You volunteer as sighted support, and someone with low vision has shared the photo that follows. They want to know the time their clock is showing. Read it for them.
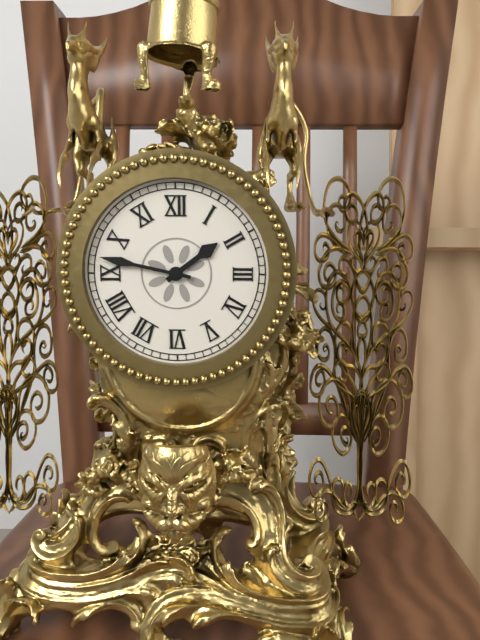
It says 1:47
